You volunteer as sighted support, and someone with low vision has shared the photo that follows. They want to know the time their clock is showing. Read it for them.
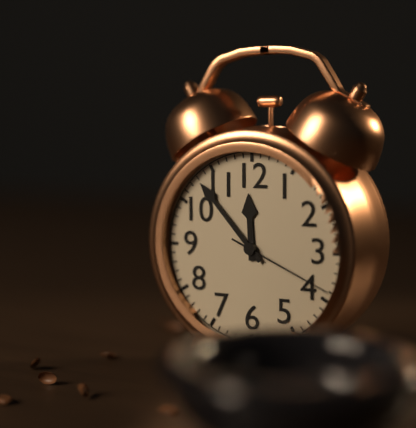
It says 11:53:19
